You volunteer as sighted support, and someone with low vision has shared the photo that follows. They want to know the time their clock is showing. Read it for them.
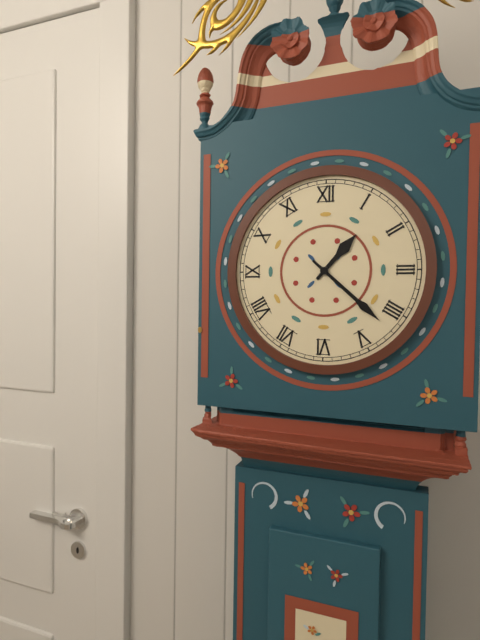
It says 1:22
